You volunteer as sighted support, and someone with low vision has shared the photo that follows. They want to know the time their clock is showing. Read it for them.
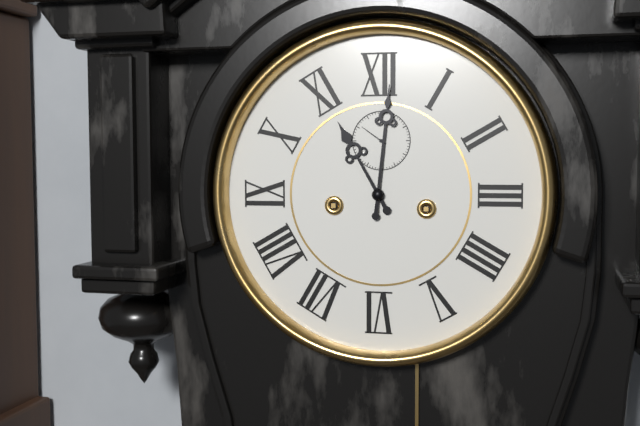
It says 11:01
